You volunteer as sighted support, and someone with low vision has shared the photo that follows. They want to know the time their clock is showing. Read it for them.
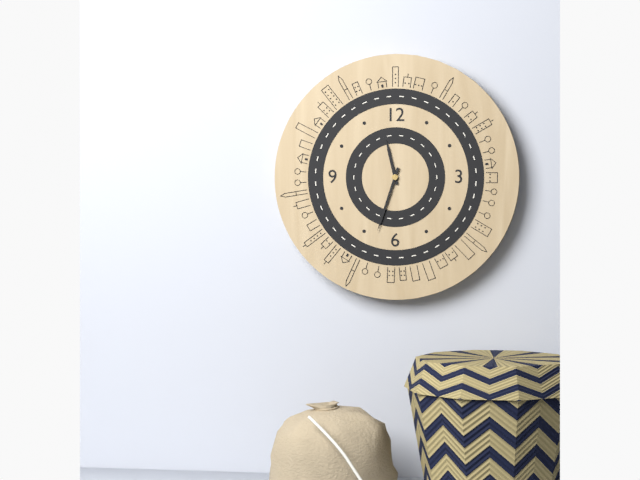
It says 11:33
